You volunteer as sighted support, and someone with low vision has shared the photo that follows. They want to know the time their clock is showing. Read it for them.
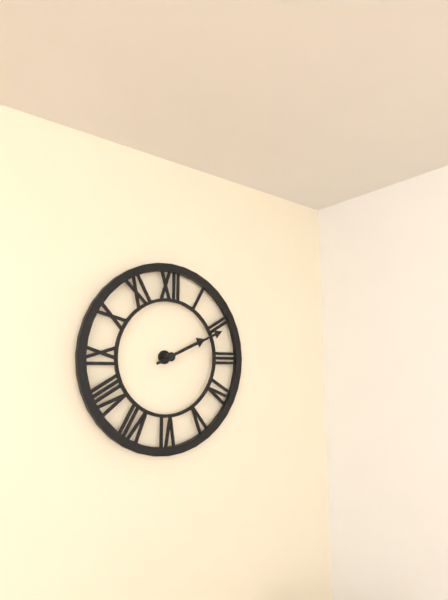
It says 2:11
